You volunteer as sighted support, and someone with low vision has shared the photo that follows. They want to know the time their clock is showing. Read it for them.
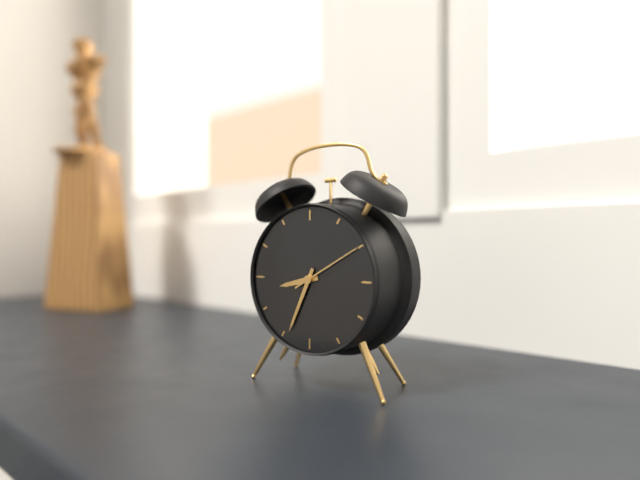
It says 8:34:10
